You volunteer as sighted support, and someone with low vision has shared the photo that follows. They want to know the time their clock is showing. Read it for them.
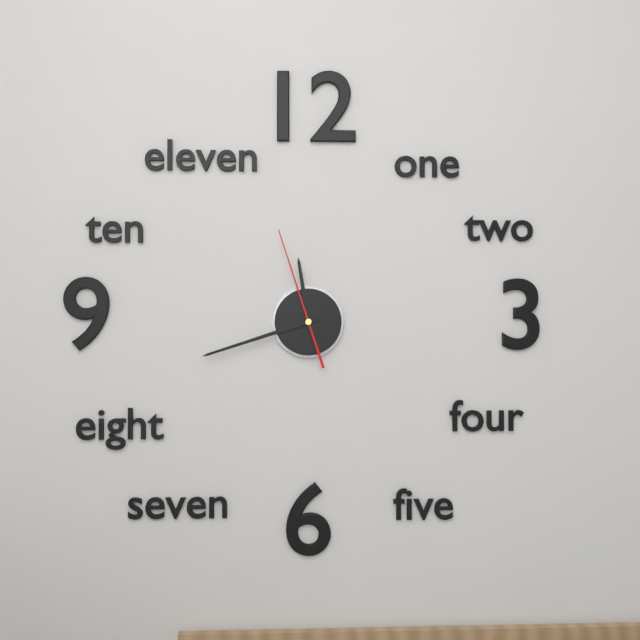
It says 11:42:57
